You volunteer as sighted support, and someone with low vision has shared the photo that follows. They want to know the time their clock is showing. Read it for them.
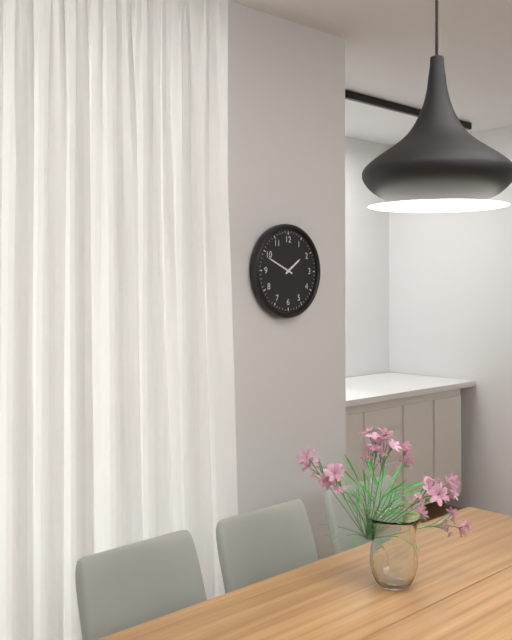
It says 1:49
